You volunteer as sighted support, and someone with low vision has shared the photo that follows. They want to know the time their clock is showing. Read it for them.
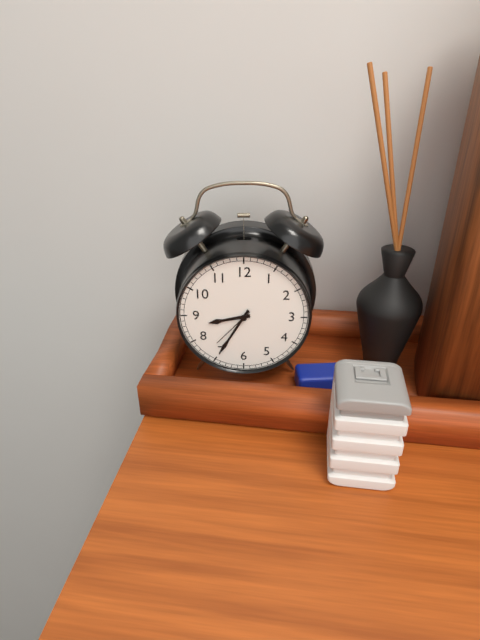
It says 8:35
